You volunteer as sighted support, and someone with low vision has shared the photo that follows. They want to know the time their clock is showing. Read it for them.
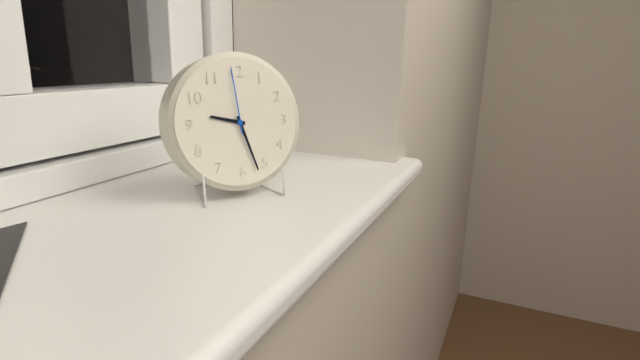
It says 9:27:59
